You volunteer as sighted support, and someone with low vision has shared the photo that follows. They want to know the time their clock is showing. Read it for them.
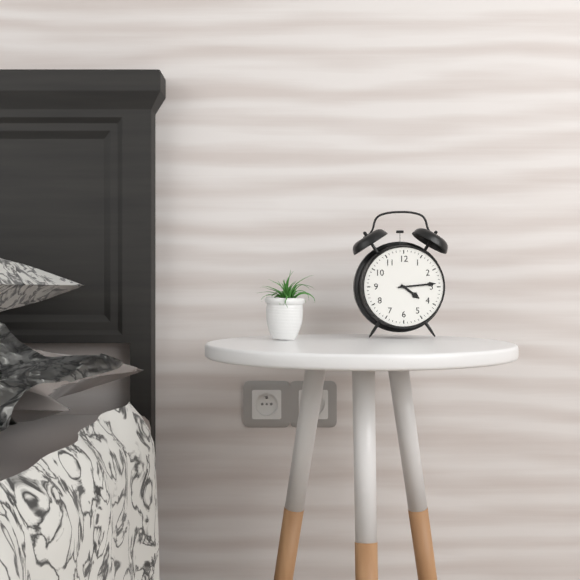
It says 4:14
